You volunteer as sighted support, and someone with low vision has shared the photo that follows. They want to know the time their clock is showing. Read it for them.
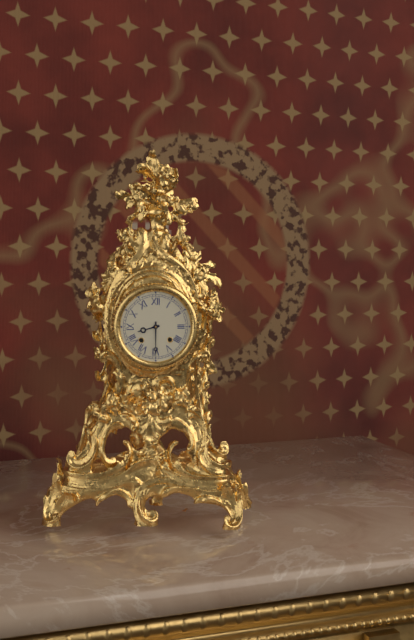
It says 8:30
